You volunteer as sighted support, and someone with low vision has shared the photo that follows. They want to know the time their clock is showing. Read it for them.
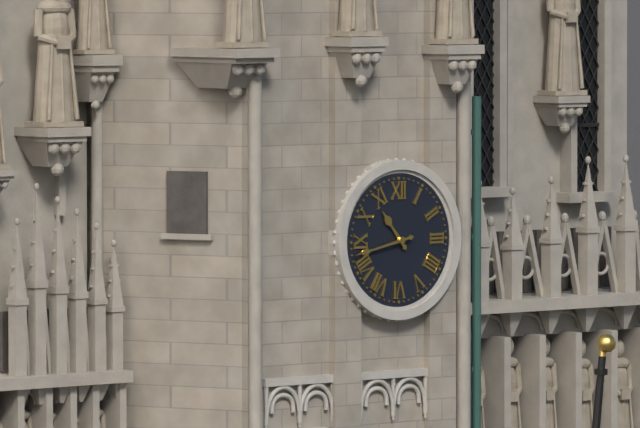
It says 10:43
